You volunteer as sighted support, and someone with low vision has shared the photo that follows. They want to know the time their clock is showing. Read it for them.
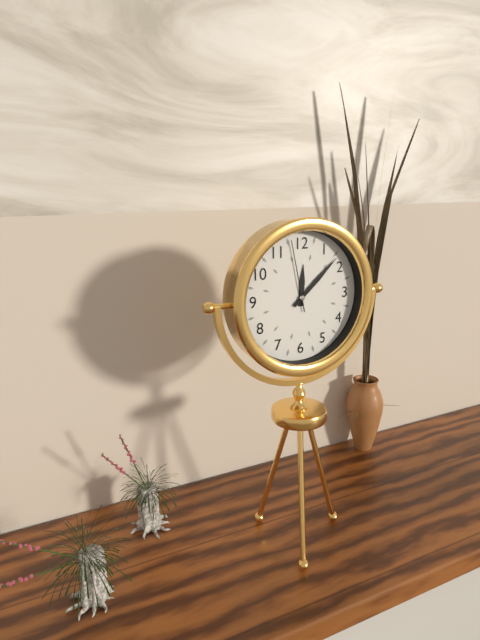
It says 12:08:58
